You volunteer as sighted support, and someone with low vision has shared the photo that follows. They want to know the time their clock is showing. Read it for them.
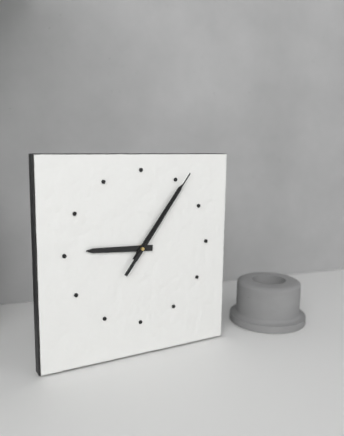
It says 9:06:06
